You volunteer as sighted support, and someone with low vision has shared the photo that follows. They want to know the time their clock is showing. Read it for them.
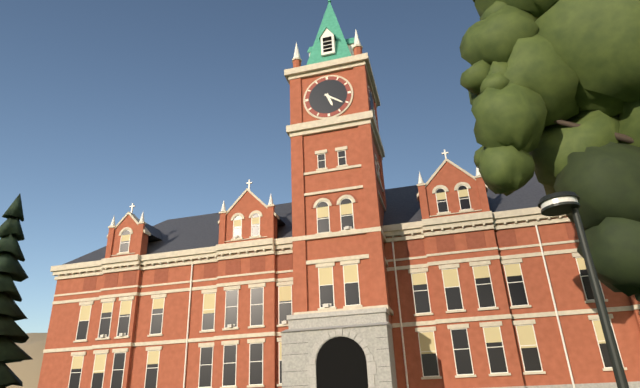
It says 5:21
